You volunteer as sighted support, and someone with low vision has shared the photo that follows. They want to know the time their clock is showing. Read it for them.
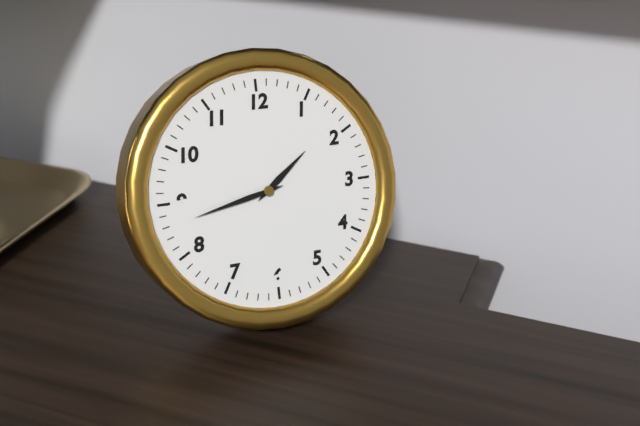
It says 1:43
